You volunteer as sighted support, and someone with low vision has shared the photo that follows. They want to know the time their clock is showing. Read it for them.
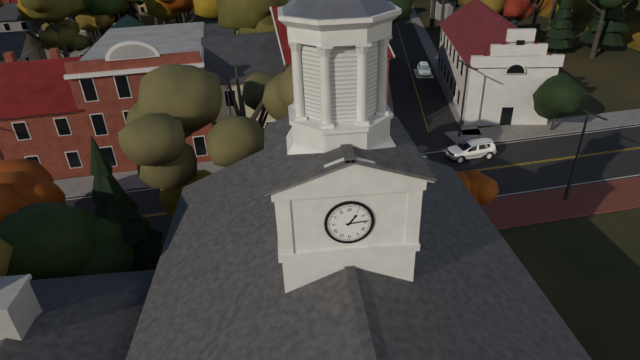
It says 1:14
